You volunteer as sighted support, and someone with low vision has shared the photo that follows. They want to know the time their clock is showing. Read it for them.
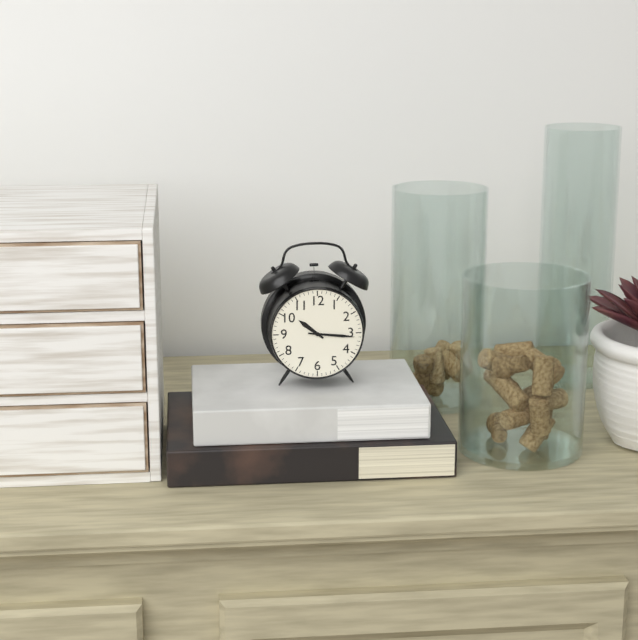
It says 10:16
